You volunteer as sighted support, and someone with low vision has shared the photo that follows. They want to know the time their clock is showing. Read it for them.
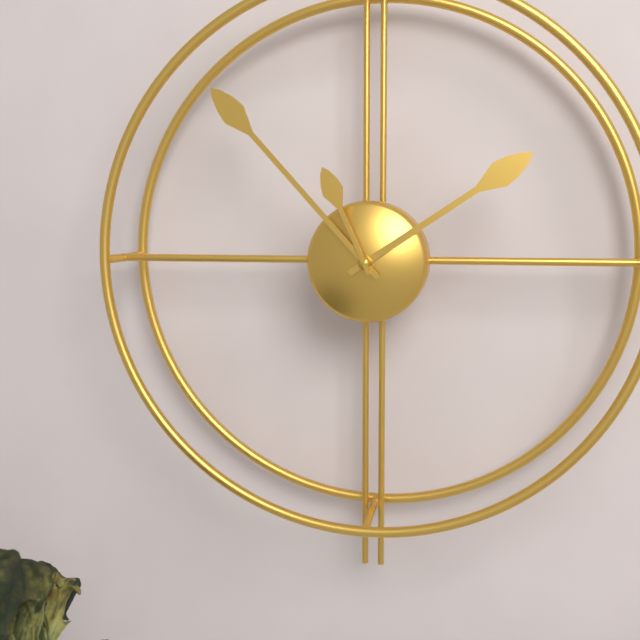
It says 1:53:56
